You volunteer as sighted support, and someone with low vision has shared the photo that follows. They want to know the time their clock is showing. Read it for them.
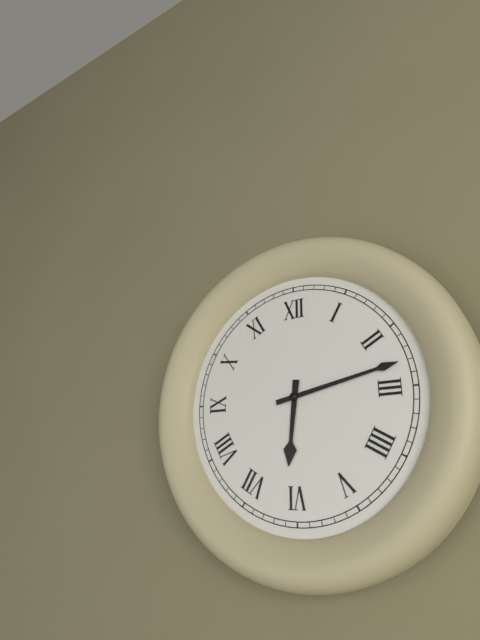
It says 6:13
